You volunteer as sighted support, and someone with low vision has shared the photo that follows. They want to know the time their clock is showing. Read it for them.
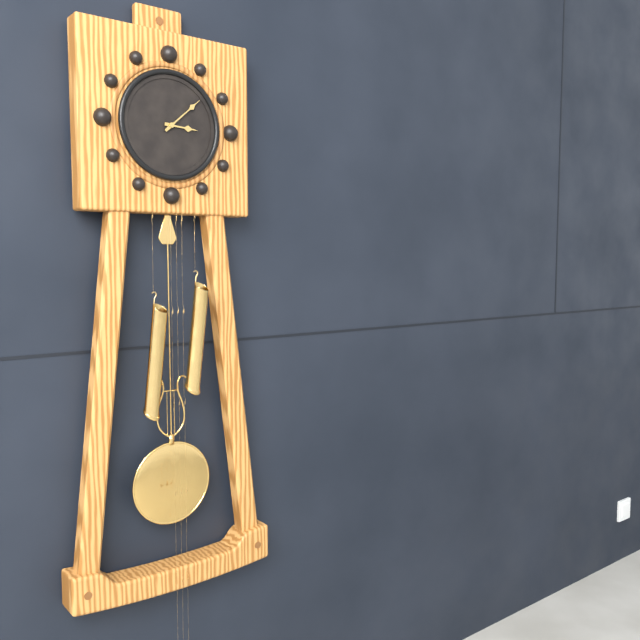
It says 3:08
